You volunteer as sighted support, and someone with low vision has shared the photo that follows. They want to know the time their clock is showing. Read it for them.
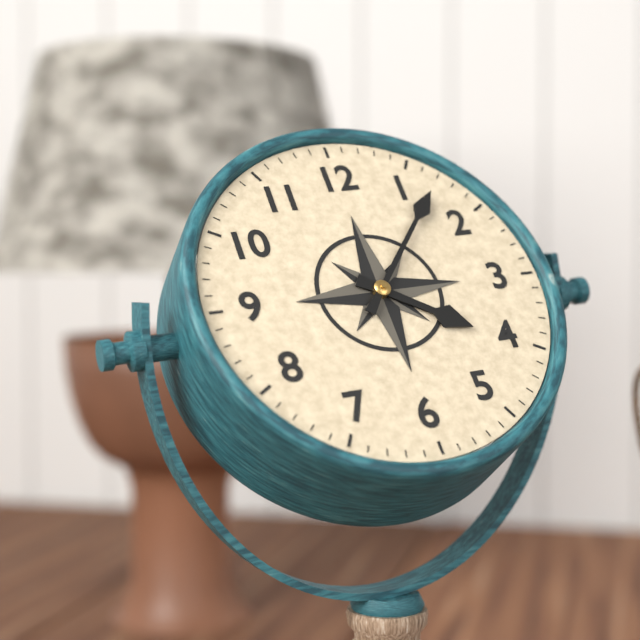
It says 4:07
